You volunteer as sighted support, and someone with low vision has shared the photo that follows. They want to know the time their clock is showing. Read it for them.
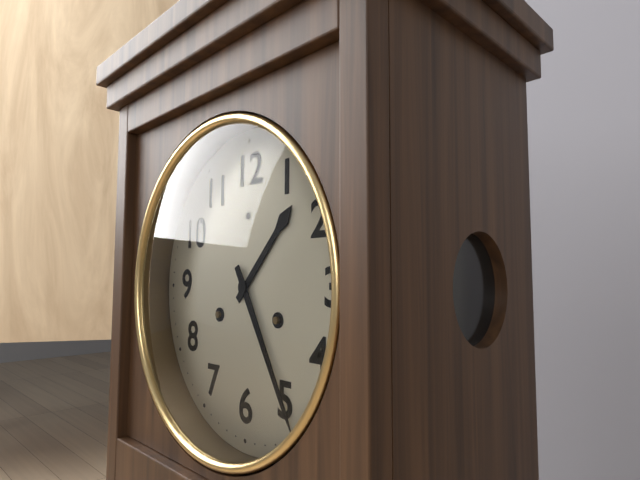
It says 1:25
